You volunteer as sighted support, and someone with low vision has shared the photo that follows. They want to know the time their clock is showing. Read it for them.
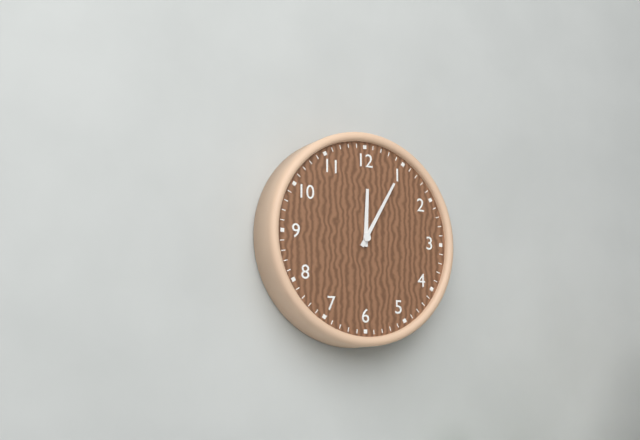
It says 12:05
